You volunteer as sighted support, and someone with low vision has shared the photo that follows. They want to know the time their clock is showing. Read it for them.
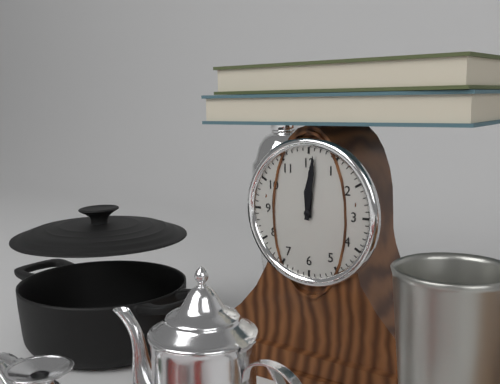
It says 12:01
